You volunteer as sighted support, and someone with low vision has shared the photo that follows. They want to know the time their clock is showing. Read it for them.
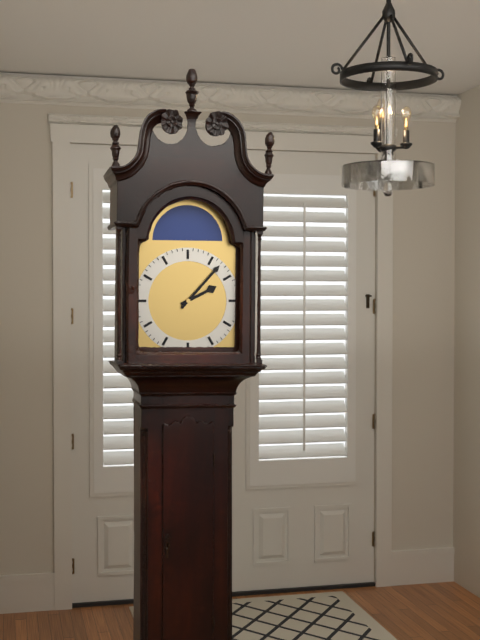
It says 2:07
